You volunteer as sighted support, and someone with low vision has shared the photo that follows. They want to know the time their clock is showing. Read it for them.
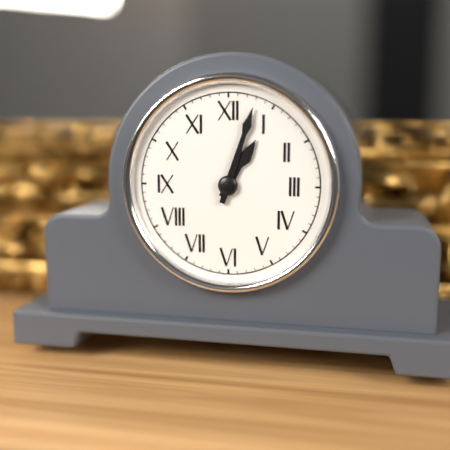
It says 1:03
